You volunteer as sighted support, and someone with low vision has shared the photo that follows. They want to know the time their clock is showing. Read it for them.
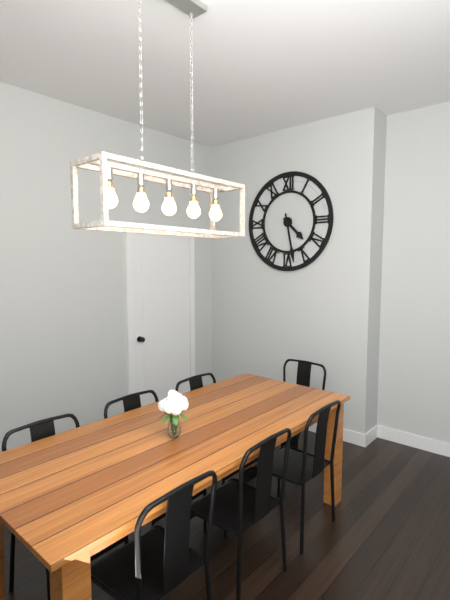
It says 4:28
